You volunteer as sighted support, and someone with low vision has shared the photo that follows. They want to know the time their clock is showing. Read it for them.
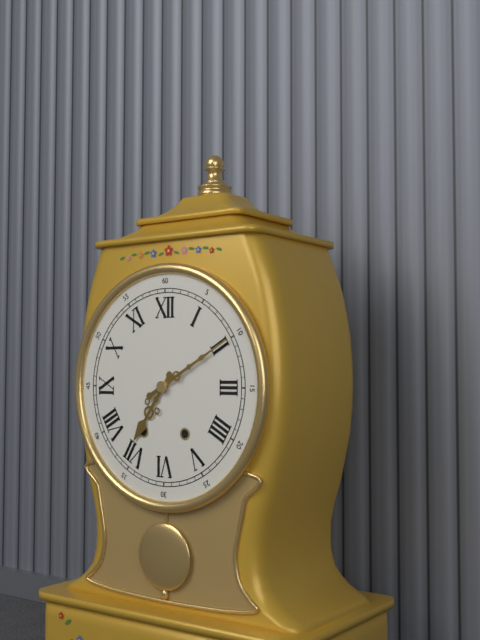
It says 7:10
